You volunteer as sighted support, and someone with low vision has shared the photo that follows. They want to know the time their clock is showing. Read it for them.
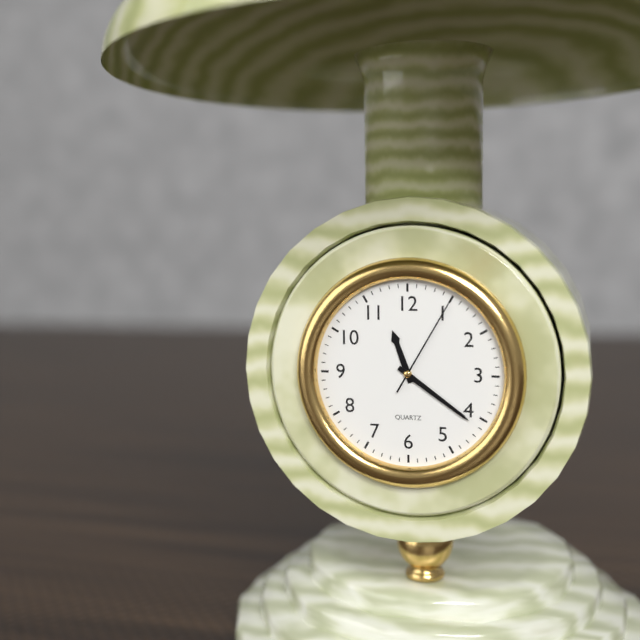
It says 11:21:05
